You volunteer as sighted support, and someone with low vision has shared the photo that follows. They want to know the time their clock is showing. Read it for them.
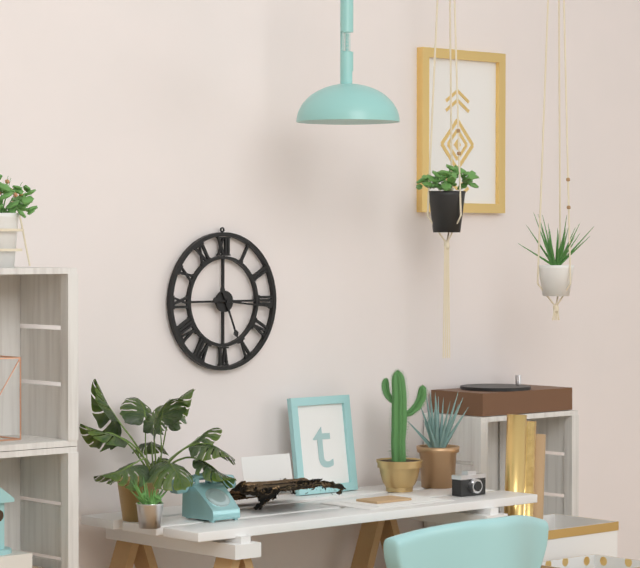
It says 5:16
